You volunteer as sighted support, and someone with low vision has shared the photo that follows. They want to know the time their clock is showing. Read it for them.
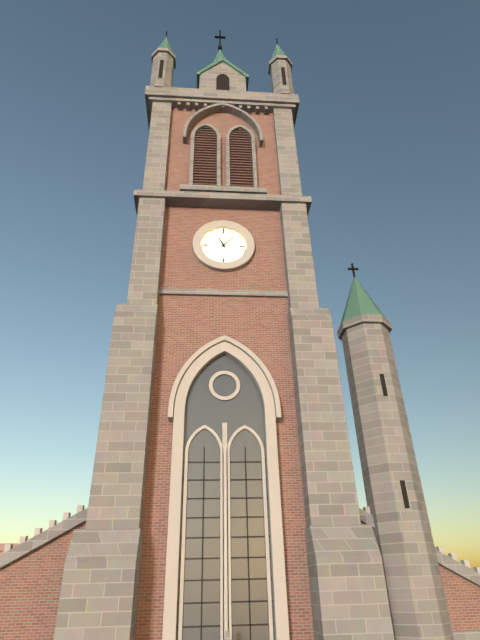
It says 11:07
